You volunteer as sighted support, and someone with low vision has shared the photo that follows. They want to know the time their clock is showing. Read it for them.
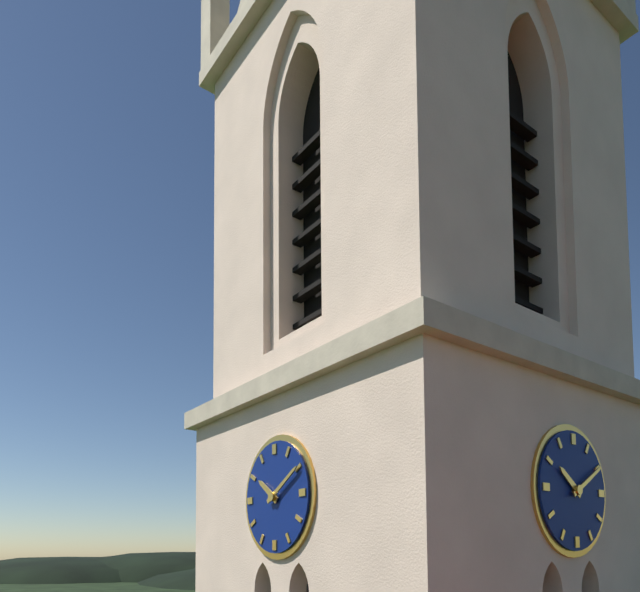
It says 10:10
